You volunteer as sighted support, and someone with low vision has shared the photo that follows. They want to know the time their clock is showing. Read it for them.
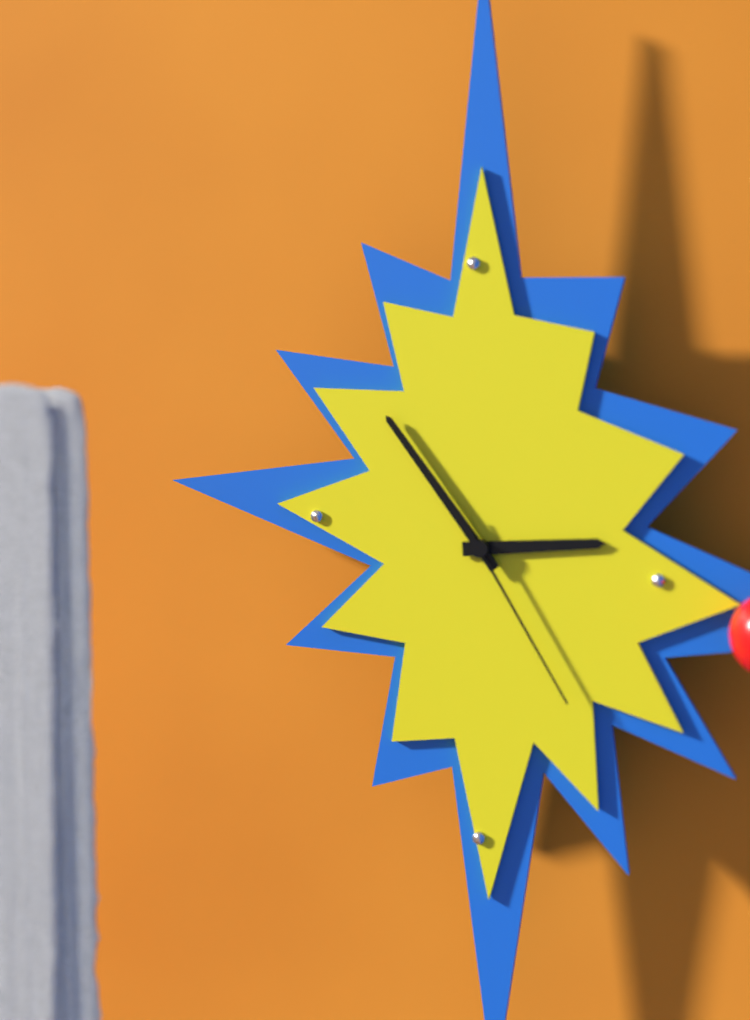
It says 2:54:25
